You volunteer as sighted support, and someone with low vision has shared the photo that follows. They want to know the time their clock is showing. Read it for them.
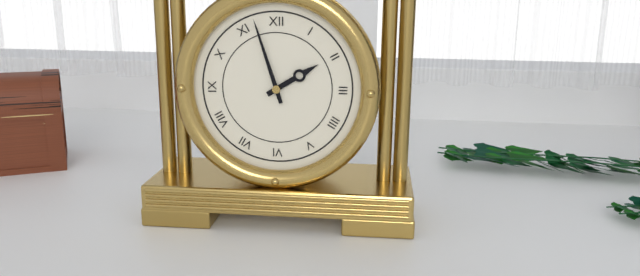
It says 1:57
